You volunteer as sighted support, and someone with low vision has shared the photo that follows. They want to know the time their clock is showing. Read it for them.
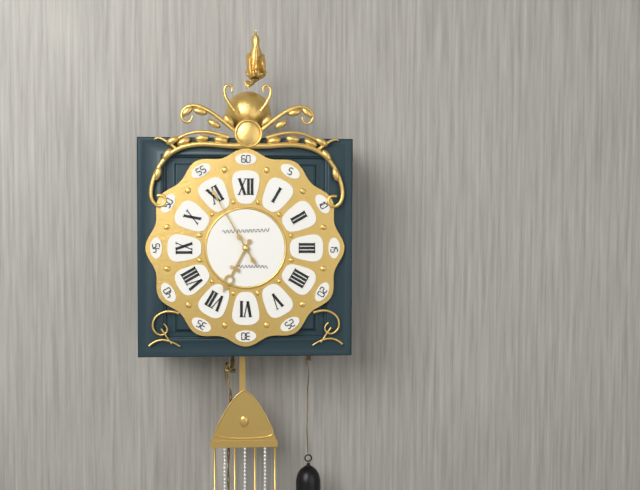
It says 6:55
